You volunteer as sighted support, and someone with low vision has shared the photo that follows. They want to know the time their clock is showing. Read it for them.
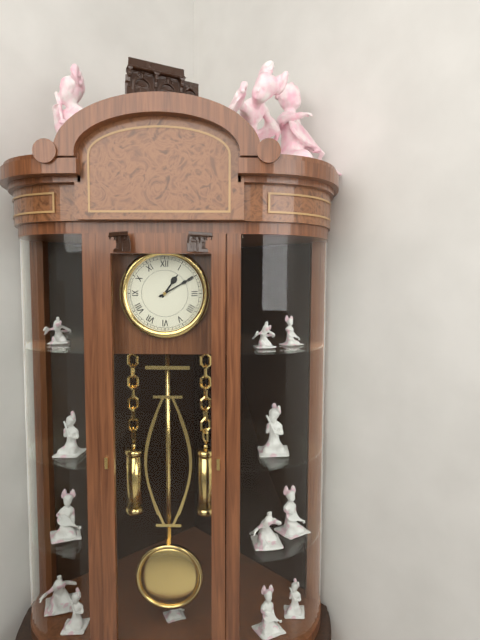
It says 1:10
